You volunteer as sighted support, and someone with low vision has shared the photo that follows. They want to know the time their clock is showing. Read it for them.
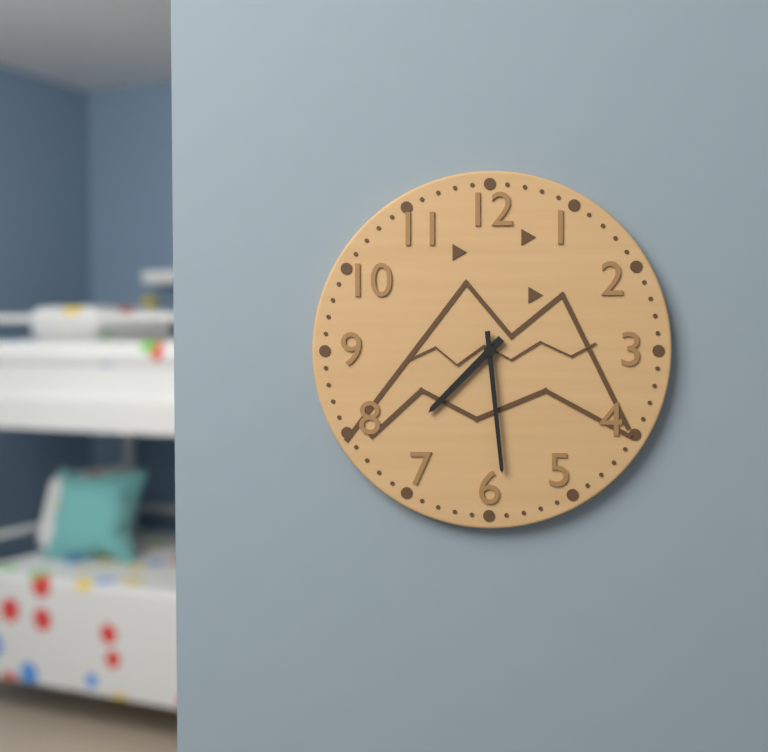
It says 7:29
